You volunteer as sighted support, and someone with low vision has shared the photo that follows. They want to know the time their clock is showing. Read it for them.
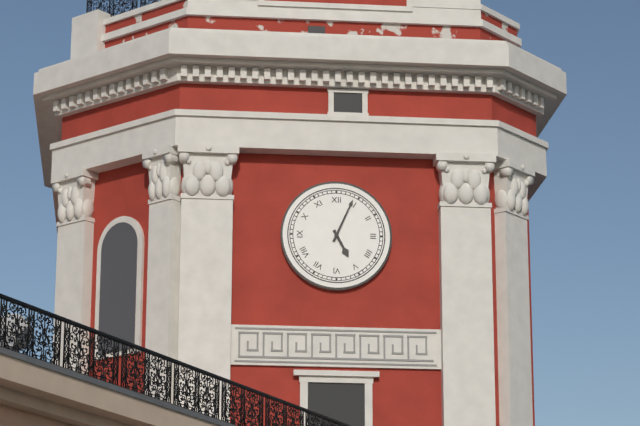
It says 5:04
